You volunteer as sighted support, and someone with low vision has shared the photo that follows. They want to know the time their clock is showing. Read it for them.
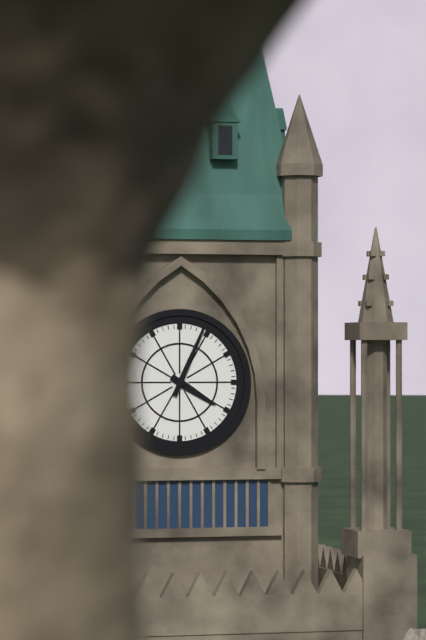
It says 4:04
